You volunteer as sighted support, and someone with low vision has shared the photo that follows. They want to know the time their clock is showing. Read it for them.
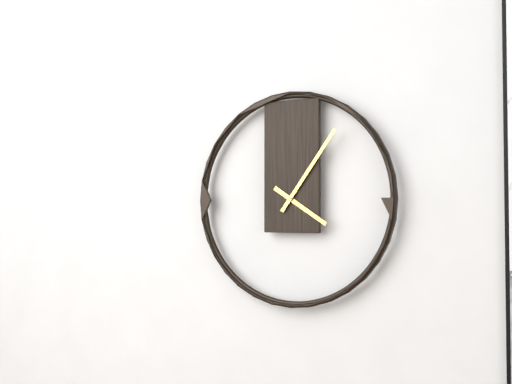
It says 4:06
